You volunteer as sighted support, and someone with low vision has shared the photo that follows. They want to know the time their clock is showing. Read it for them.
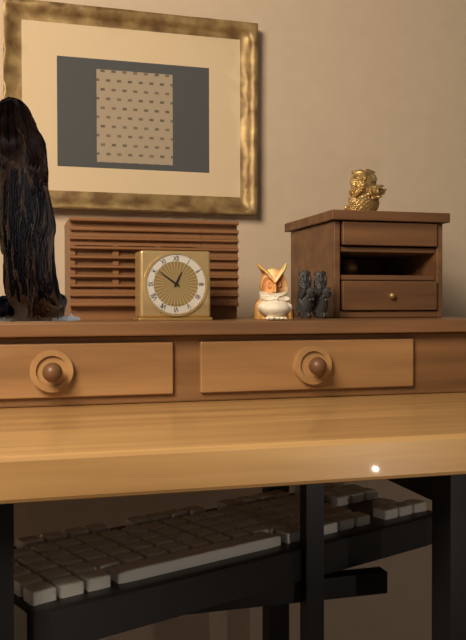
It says 12:51
